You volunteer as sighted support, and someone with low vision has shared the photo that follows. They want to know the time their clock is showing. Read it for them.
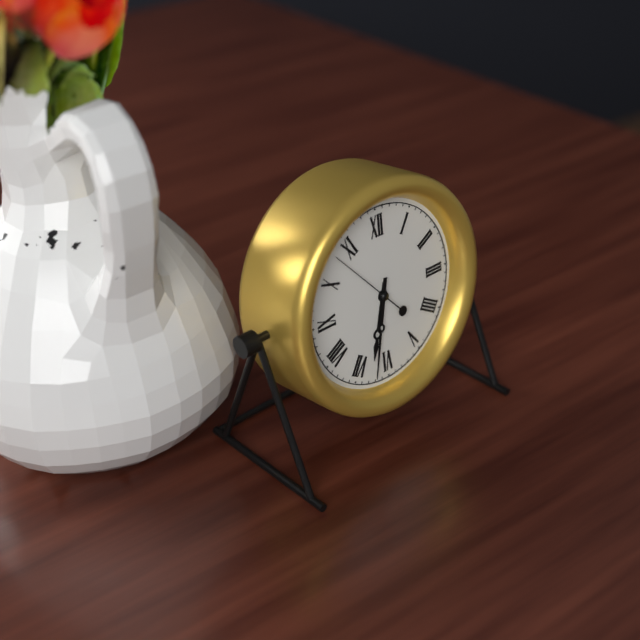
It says 6:32:53
